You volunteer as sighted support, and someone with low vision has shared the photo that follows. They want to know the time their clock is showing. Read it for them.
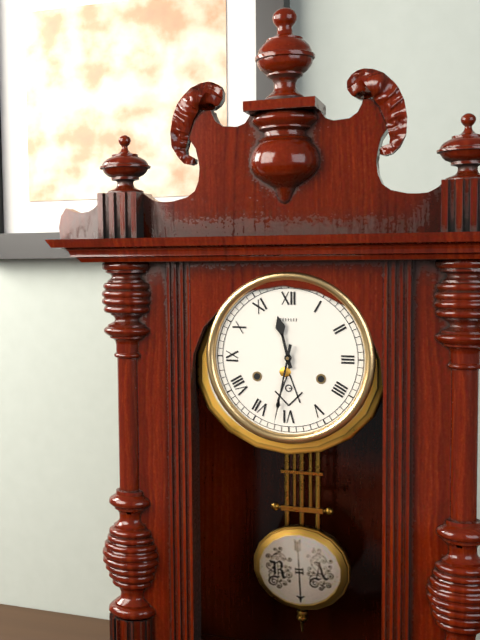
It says 11:32
